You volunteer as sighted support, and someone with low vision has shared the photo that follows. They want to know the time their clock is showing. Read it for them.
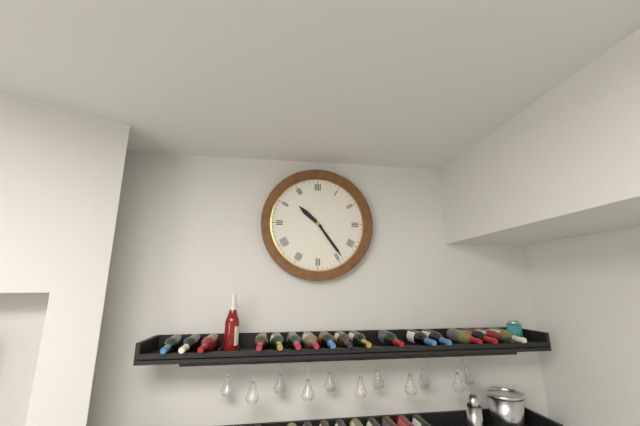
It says 10:24
